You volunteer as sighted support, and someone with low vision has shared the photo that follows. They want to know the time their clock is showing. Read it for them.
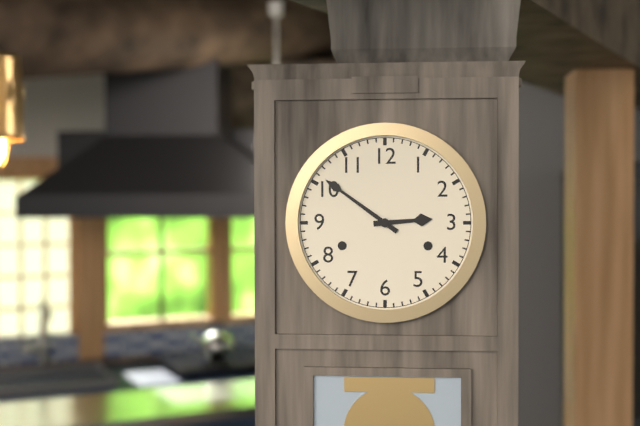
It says 2:51
